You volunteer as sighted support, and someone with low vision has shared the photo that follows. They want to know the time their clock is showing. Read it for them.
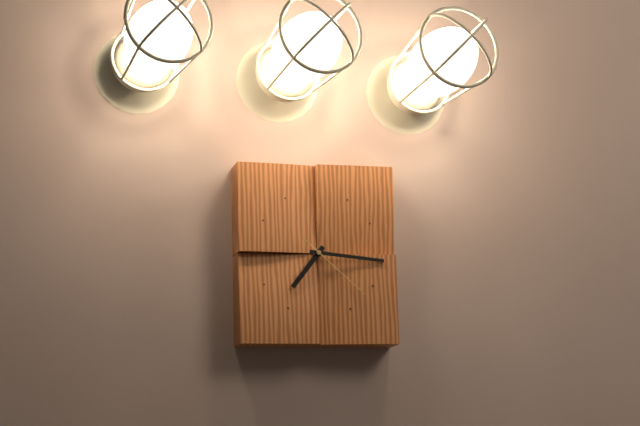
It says 7:16:22
